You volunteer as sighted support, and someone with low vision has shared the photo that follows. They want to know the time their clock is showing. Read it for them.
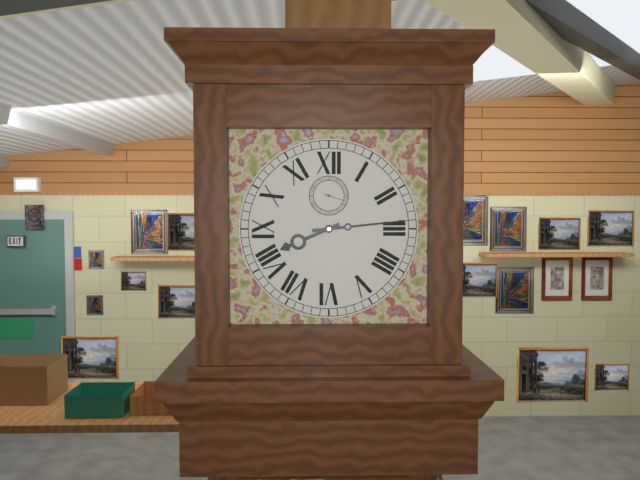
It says 8:14
